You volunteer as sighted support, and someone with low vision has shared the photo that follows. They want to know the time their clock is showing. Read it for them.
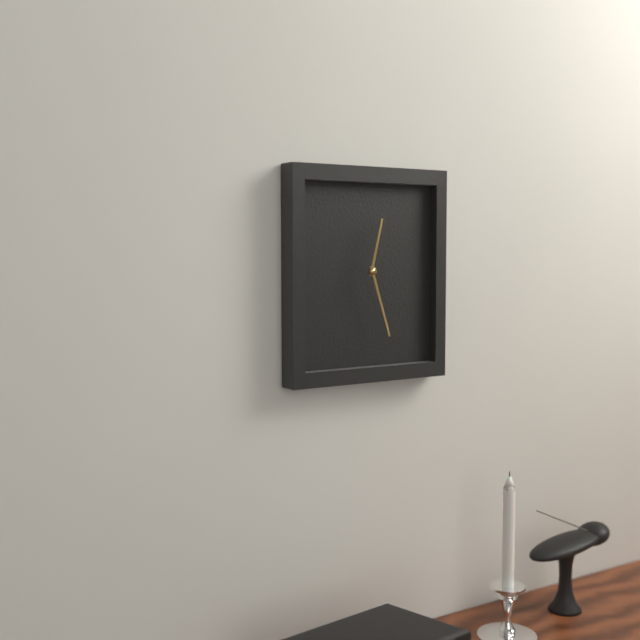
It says 12:27
